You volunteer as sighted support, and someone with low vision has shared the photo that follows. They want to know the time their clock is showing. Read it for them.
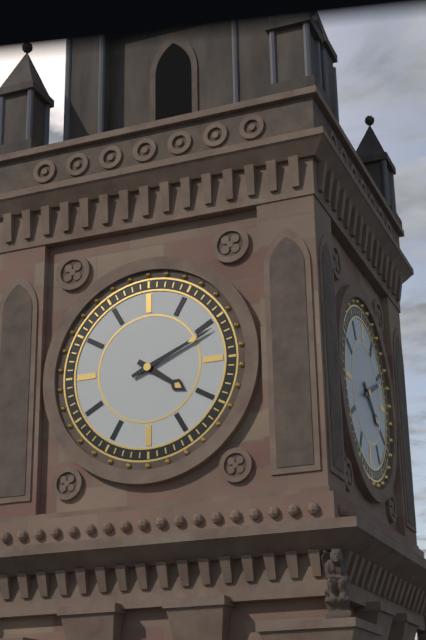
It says 4:11
